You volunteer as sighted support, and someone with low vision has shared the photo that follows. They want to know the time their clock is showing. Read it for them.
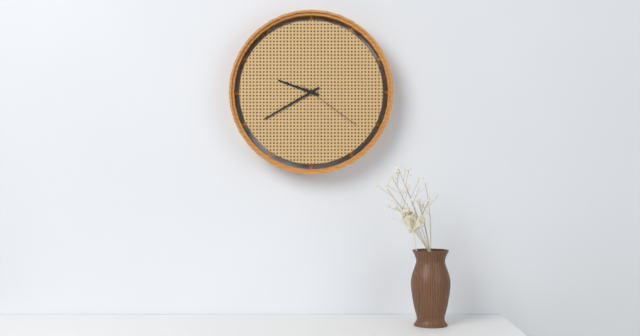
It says 9:40:21
